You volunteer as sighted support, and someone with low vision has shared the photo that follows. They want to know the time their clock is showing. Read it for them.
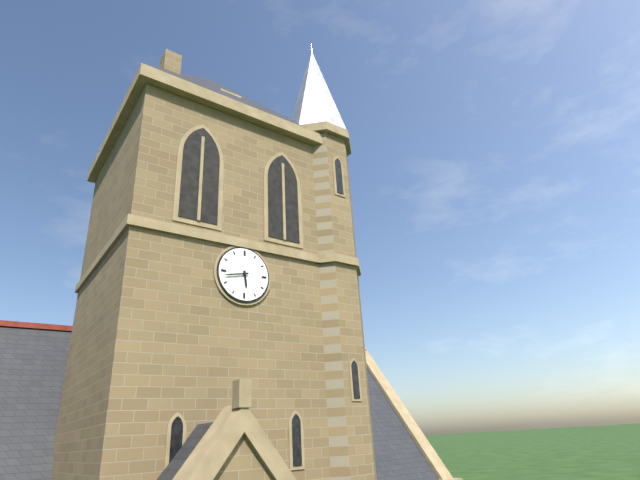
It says 5:43
